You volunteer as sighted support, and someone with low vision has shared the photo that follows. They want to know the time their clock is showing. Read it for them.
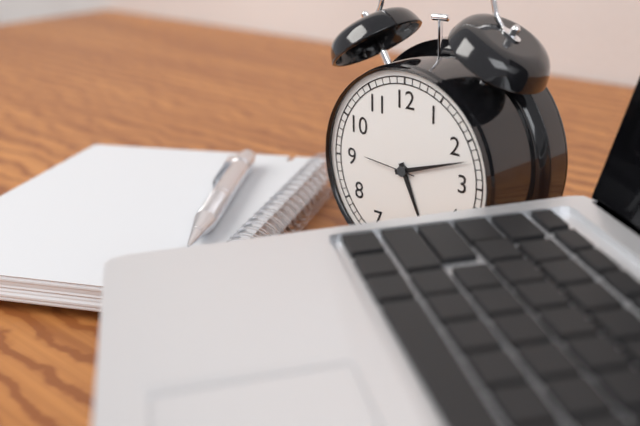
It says 5:12:46
